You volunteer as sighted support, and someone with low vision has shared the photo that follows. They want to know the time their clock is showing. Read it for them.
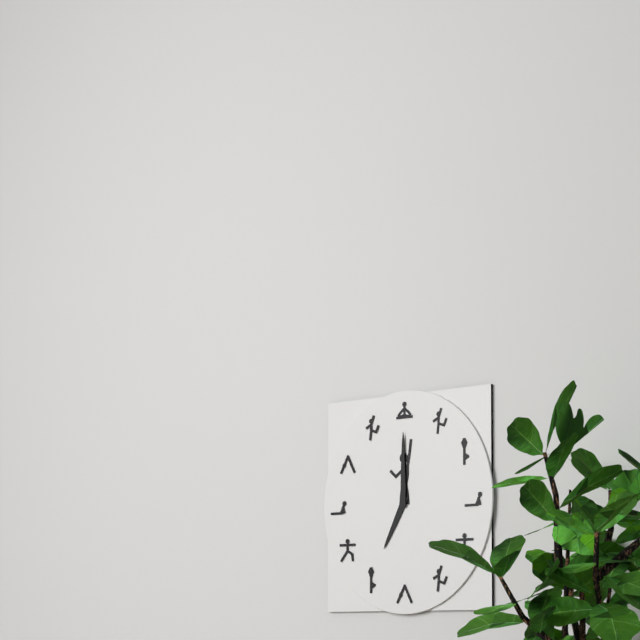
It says 7:00
